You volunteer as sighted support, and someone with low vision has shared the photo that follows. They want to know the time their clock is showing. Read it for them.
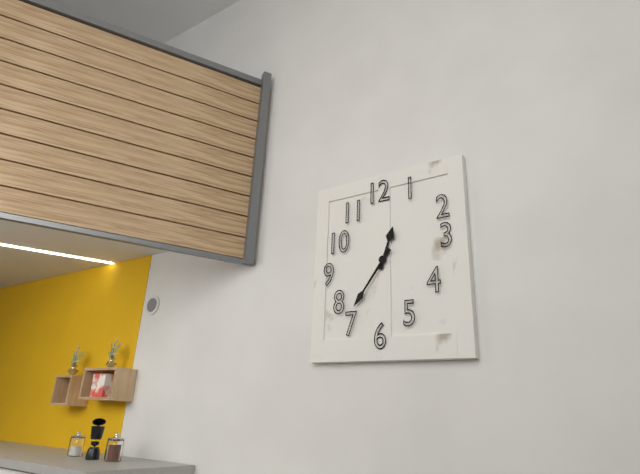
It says 12:36
